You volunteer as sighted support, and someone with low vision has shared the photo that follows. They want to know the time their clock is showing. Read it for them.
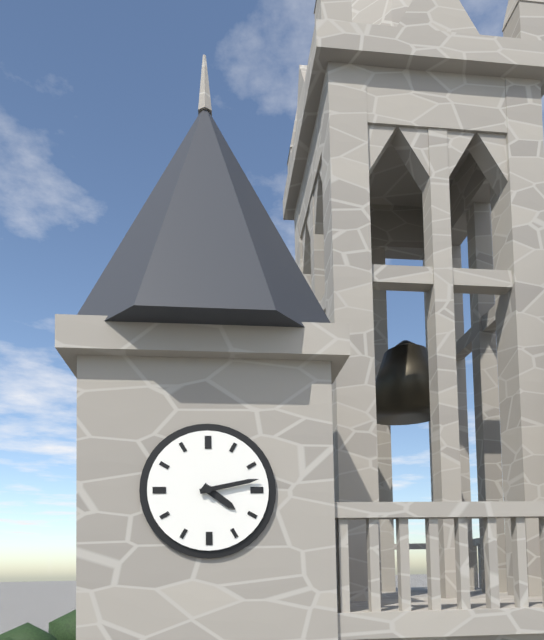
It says 4:13
